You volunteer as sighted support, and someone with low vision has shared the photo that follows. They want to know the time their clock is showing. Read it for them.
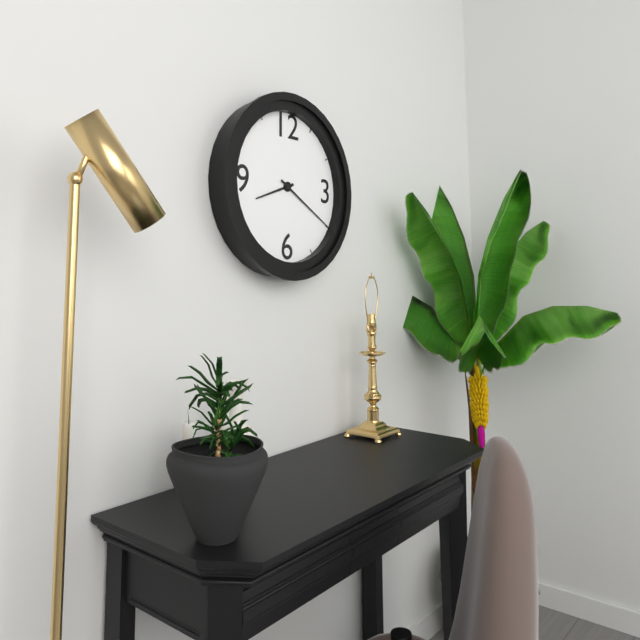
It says 8:20
